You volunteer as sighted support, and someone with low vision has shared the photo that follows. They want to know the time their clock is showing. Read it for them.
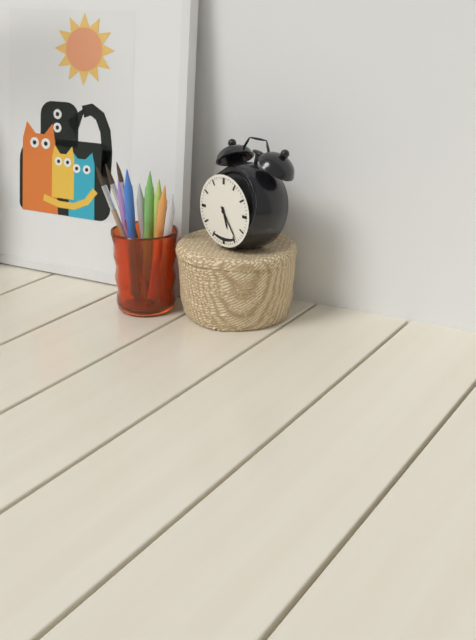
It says 5:24
